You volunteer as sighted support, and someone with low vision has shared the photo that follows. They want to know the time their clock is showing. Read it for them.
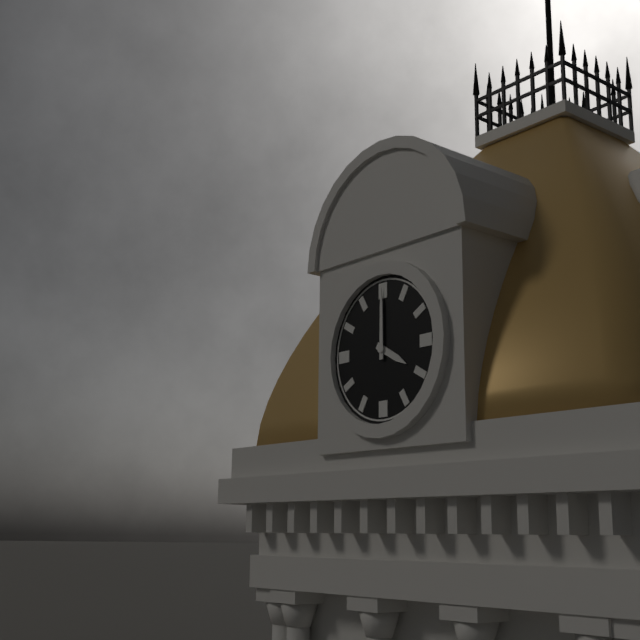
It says 4:00
